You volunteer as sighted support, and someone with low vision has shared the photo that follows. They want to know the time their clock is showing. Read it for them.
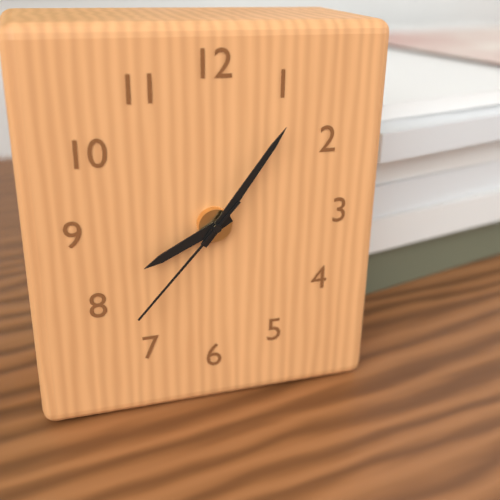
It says 8:06:37
